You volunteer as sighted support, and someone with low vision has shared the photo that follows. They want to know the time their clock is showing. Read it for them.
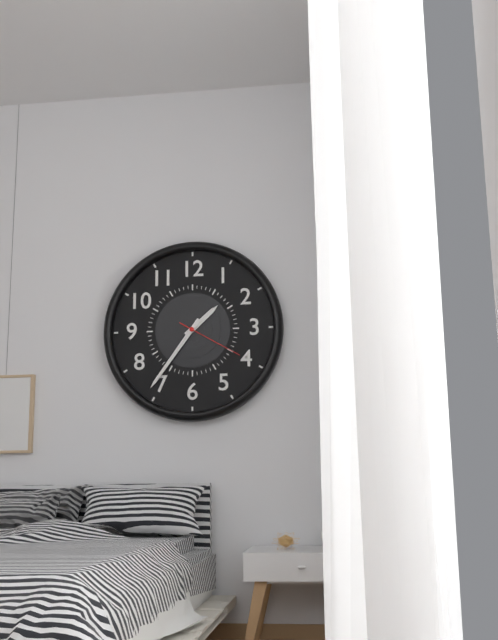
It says 1:36:20
